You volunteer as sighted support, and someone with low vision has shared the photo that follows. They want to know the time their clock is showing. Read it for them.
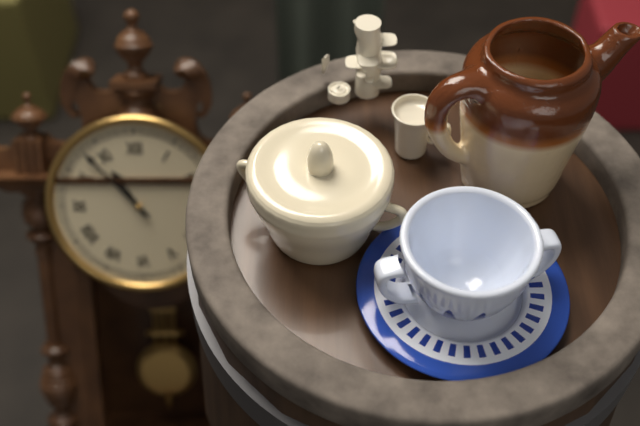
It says 10:53
